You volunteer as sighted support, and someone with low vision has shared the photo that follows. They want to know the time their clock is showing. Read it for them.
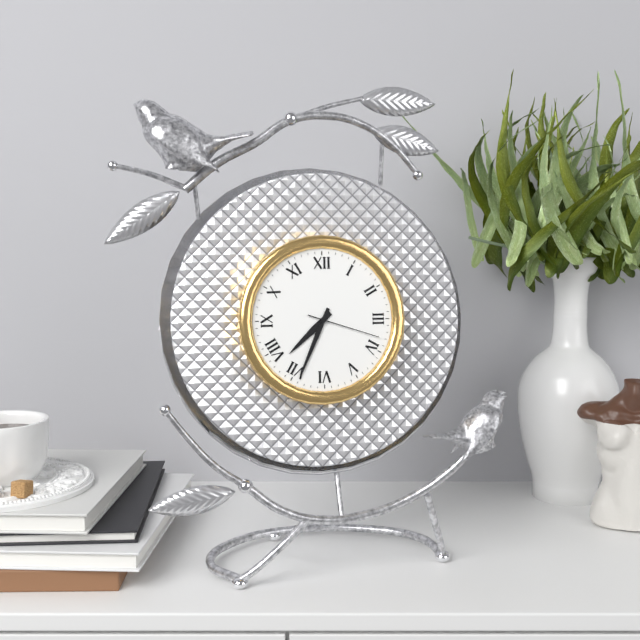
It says 7:34:18
